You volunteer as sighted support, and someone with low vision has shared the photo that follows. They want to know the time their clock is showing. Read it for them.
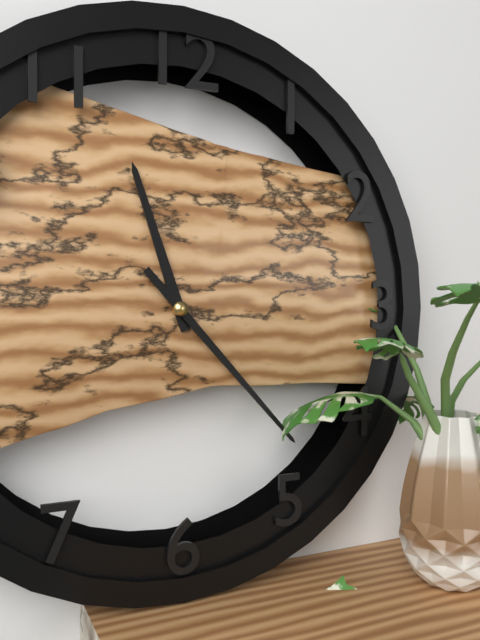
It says 11:23
